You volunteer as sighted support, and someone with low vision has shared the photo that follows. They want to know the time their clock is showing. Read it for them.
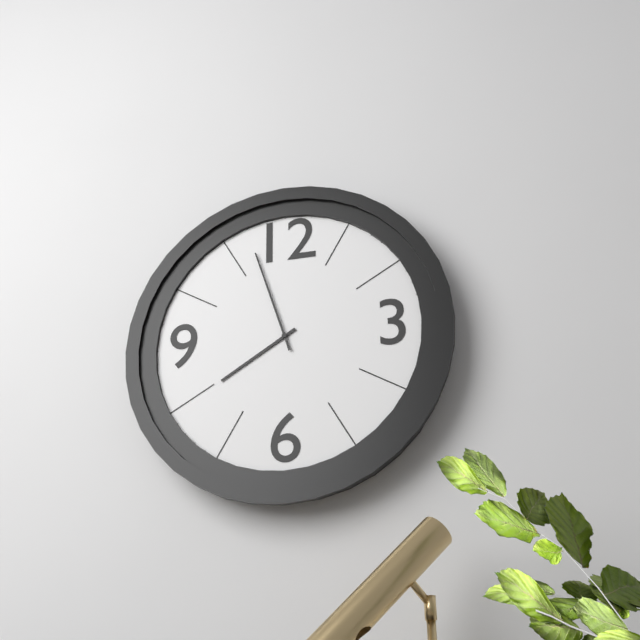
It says 7:57
